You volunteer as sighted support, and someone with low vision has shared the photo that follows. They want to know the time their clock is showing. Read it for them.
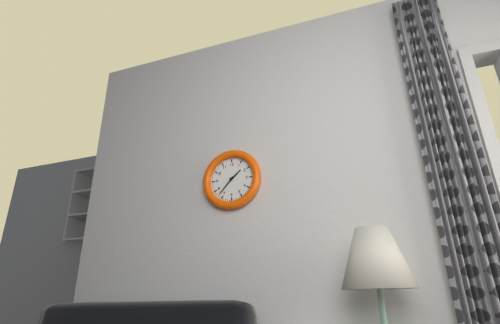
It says 1:37
